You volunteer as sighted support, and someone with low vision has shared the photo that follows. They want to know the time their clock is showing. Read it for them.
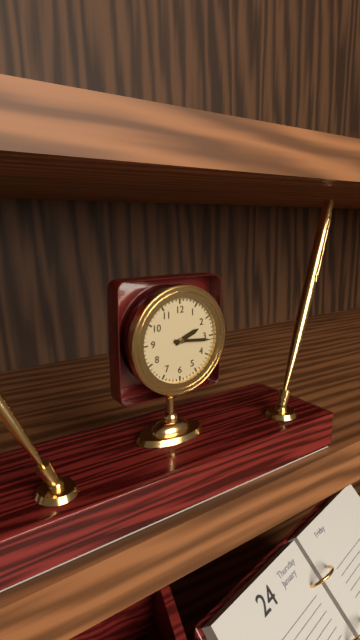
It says 2:16
